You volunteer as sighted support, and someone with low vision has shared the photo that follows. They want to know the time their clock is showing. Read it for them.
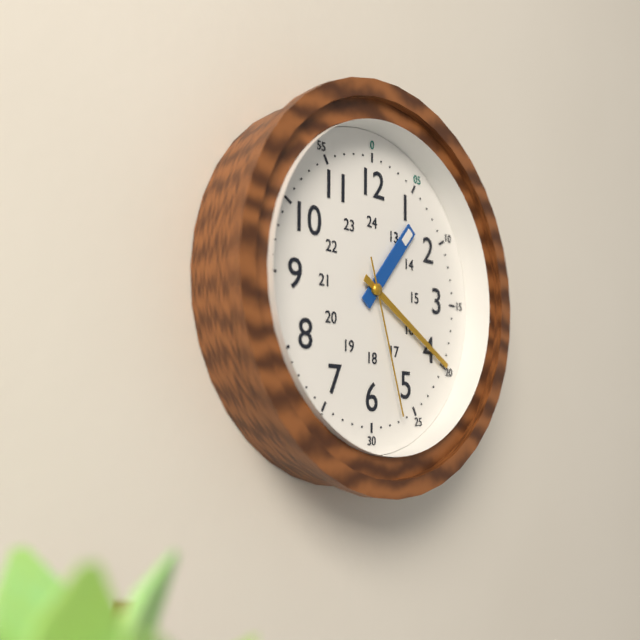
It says 1:20:27
